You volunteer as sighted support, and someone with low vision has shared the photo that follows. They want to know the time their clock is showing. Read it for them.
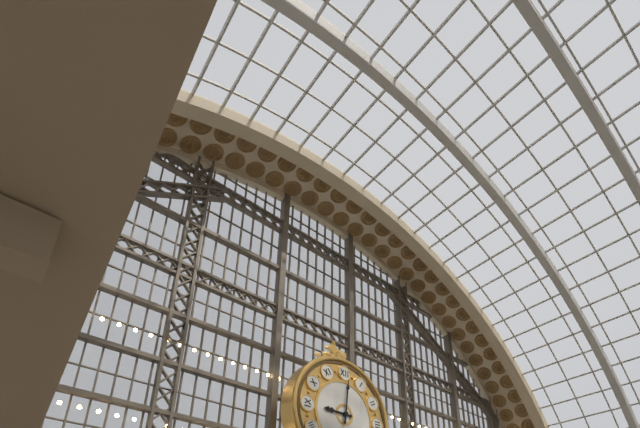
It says 9:01
